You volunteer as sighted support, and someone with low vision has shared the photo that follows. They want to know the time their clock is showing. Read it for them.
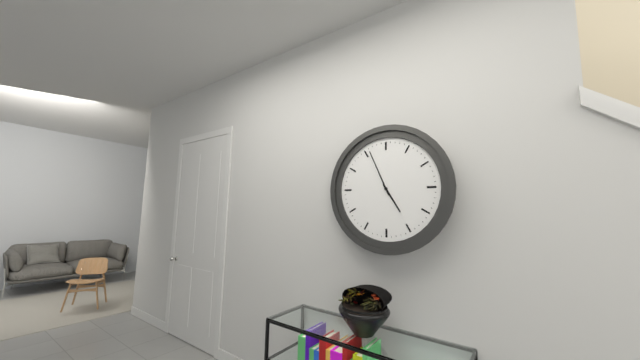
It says 4:56
